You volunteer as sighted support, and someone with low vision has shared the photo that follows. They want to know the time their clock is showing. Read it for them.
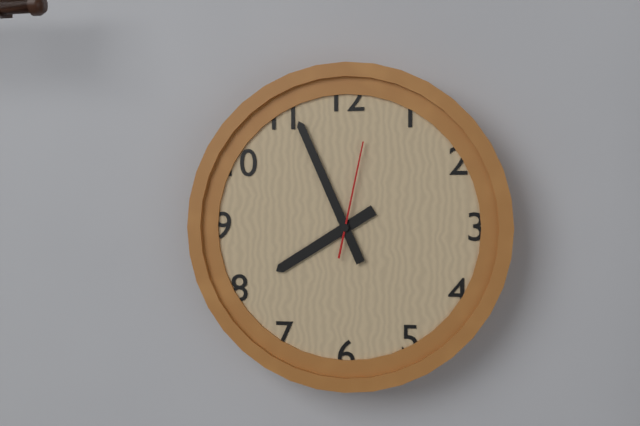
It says 7:56:02
